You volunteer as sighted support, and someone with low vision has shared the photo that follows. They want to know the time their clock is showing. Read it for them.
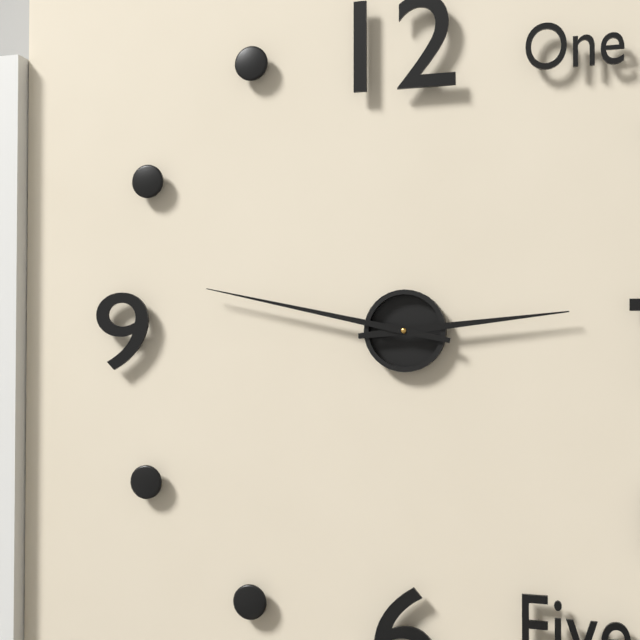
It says 2:47
